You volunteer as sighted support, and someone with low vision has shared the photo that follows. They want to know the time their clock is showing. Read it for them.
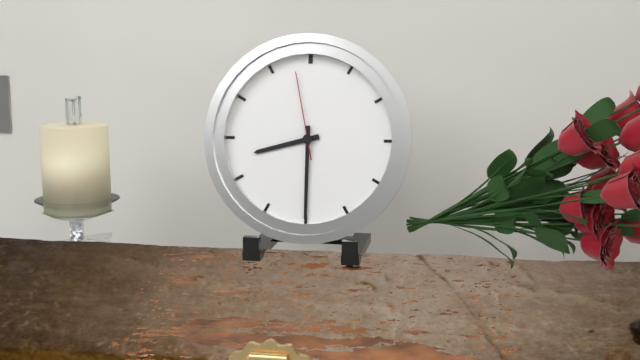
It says 8:30:58
